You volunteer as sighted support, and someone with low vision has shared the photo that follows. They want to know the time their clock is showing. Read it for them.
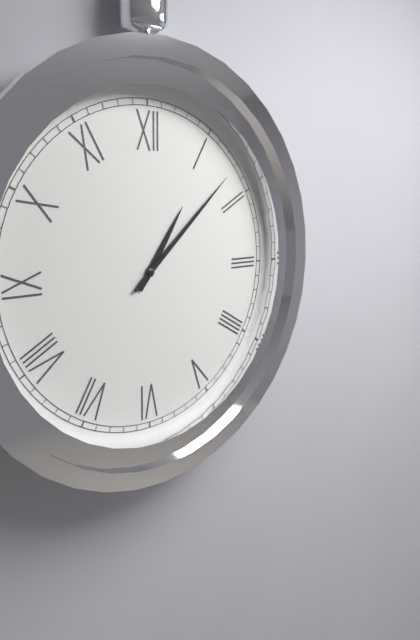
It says 1:08
